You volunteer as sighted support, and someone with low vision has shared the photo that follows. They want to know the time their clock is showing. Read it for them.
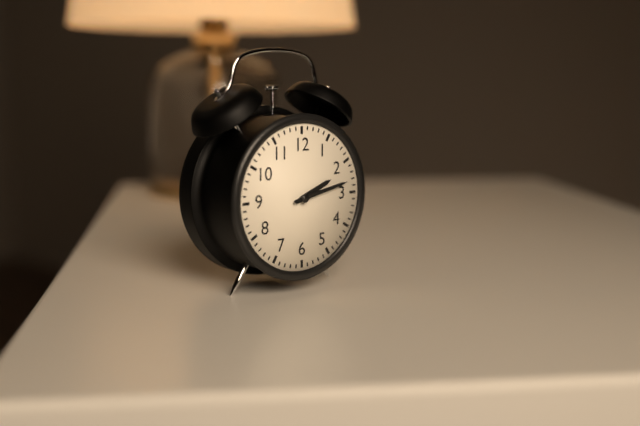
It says 2:13
